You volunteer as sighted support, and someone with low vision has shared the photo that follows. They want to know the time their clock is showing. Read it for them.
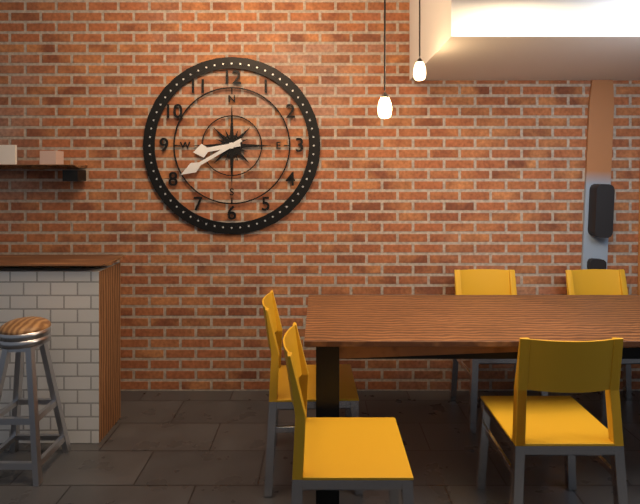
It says 8:40
